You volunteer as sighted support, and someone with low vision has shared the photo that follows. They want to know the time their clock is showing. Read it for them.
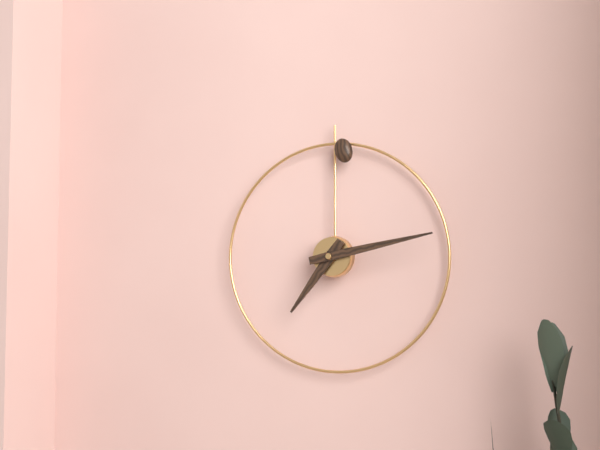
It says 7:13
